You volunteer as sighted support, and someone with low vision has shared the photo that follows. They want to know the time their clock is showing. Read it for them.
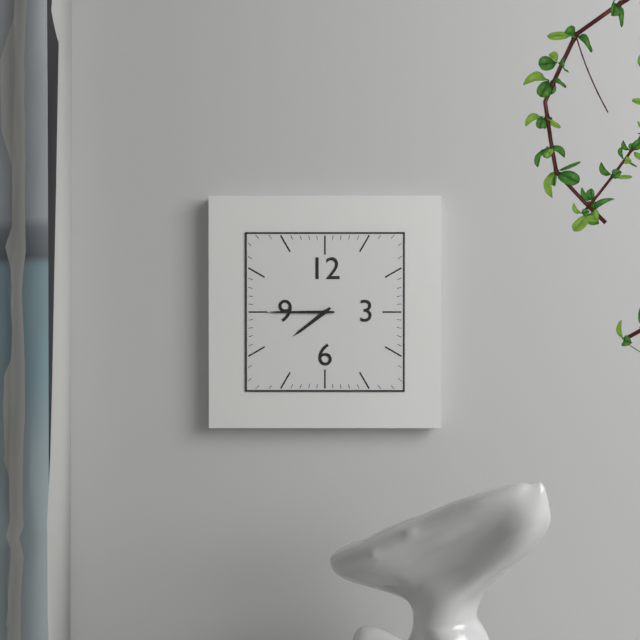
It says 7:45
